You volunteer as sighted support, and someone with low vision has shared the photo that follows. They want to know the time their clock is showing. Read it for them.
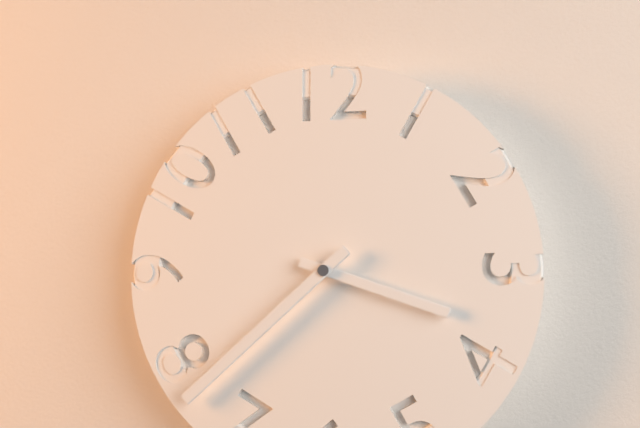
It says 3:38
